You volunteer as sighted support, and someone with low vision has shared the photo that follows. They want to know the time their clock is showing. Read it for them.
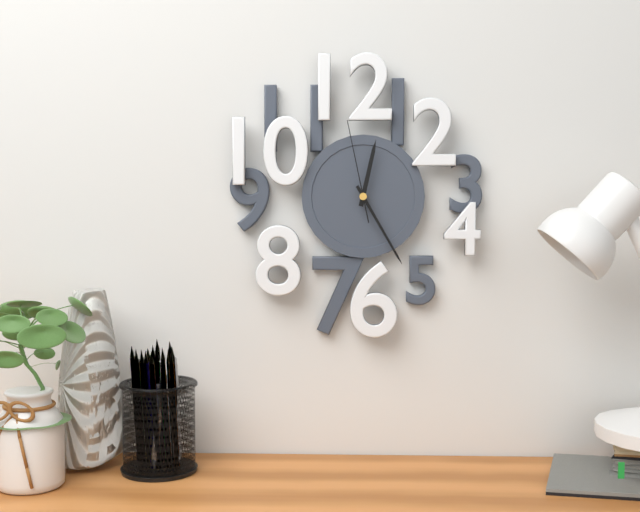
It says 12:25:58
